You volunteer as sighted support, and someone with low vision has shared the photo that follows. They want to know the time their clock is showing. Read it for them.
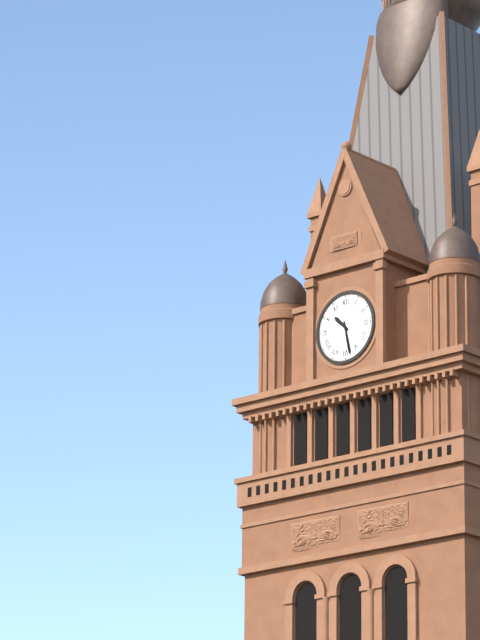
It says 10:28
